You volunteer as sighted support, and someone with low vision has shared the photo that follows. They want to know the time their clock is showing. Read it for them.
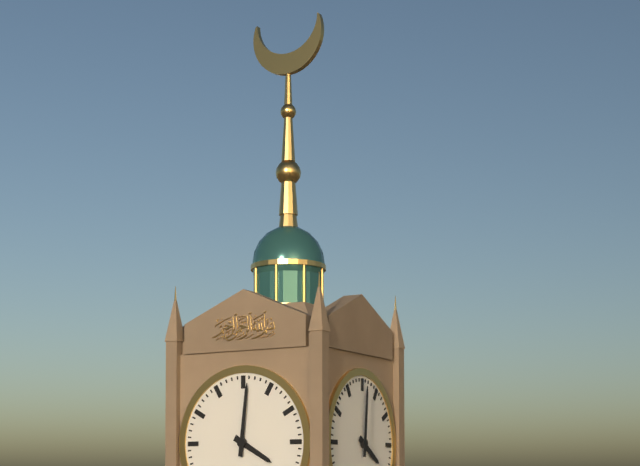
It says 4:01
